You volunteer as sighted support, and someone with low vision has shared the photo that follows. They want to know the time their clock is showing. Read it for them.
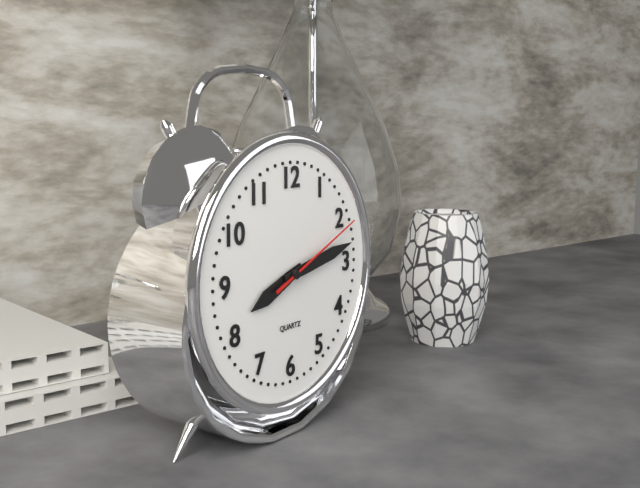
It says 8:13:11
